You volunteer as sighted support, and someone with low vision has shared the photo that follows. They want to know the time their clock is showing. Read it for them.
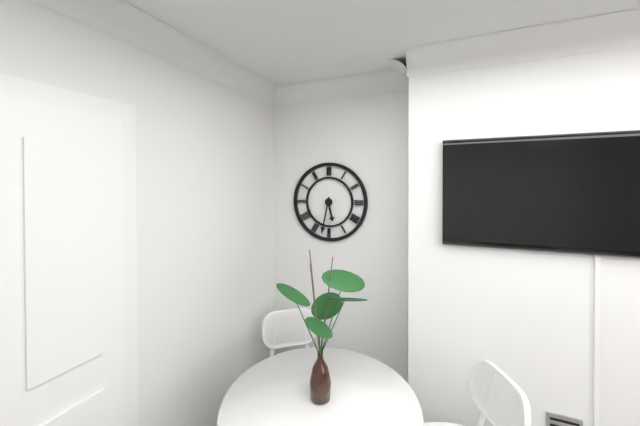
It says 5:32
